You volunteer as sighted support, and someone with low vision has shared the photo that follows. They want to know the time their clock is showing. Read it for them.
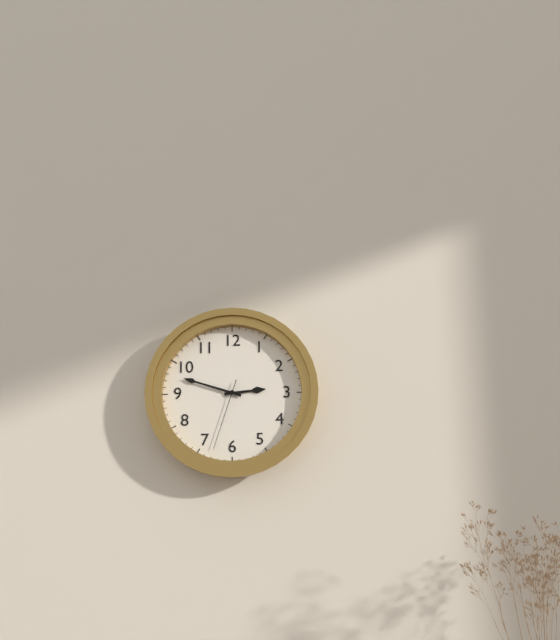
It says 2:48:33
